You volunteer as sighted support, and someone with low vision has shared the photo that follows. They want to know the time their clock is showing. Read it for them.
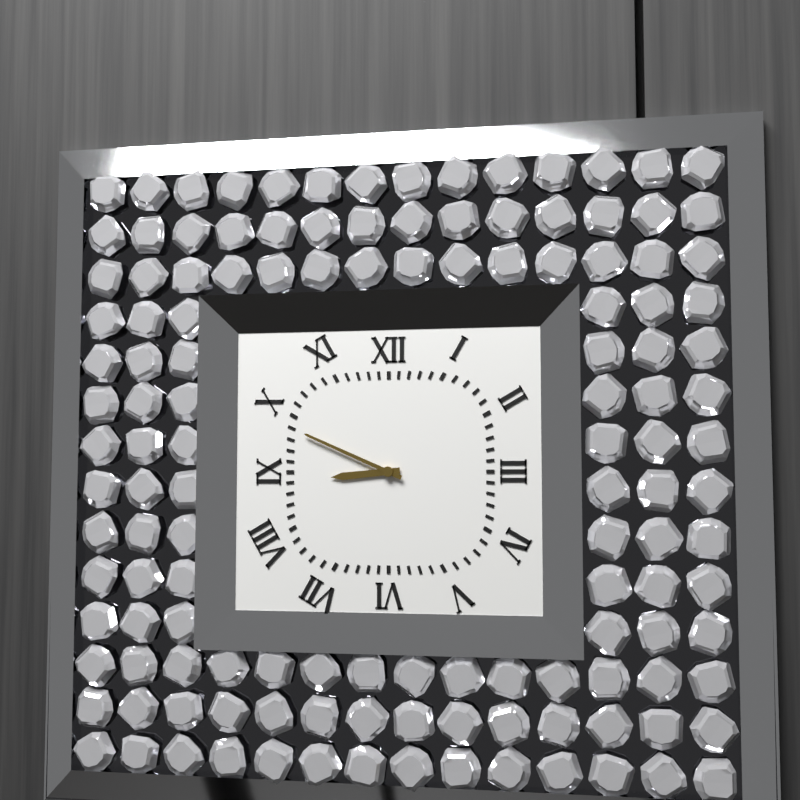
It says 8:49
